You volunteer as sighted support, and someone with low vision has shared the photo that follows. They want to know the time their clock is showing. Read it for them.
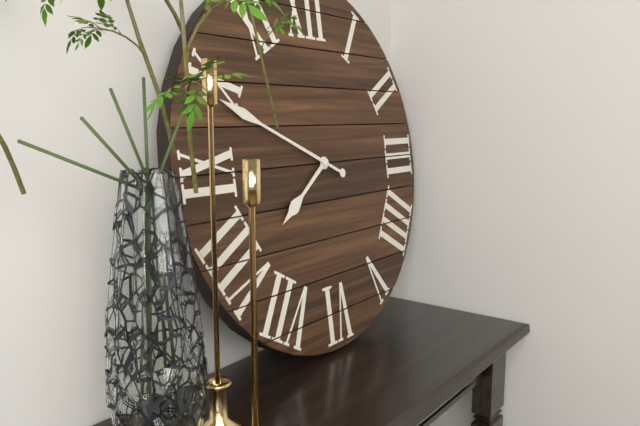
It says 7:49
